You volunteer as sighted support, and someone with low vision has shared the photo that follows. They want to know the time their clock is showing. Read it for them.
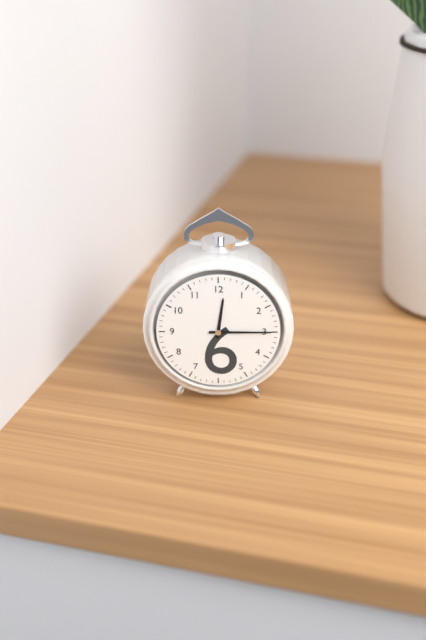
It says 12:15
